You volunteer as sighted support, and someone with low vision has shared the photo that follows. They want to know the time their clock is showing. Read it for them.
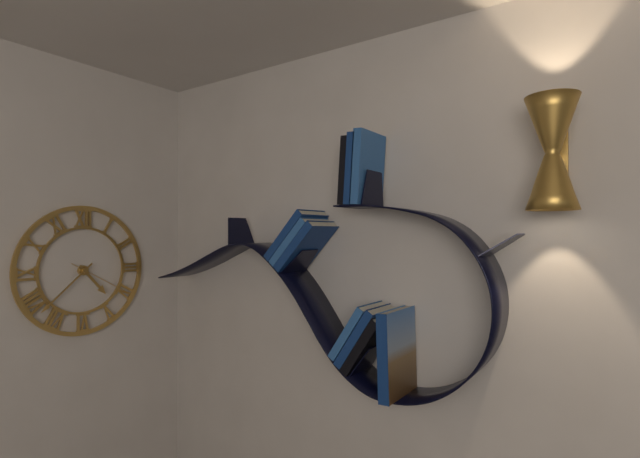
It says 4:38:20
